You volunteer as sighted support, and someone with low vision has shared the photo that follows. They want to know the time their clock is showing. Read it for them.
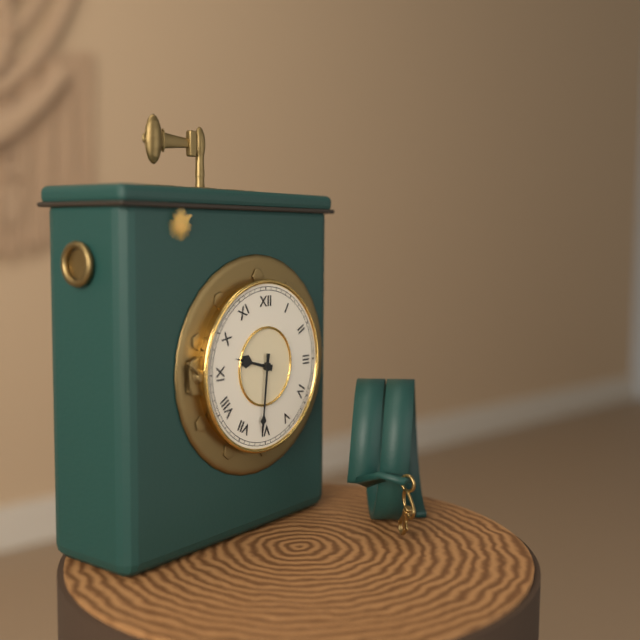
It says 9:31
